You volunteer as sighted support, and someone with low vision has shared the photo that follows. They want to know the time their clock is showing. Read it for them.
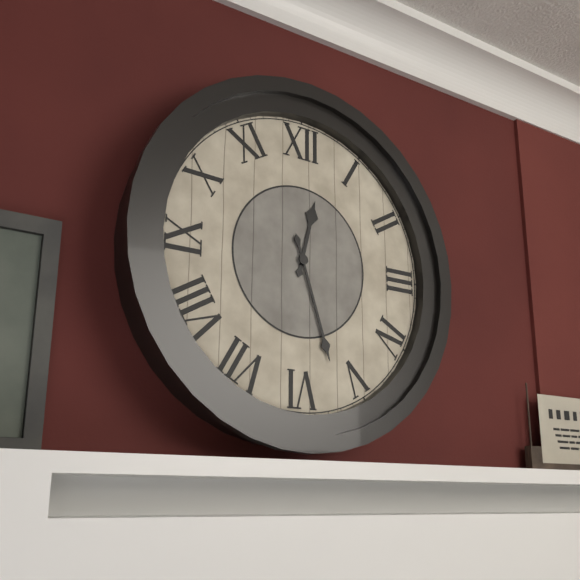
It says 12:27
